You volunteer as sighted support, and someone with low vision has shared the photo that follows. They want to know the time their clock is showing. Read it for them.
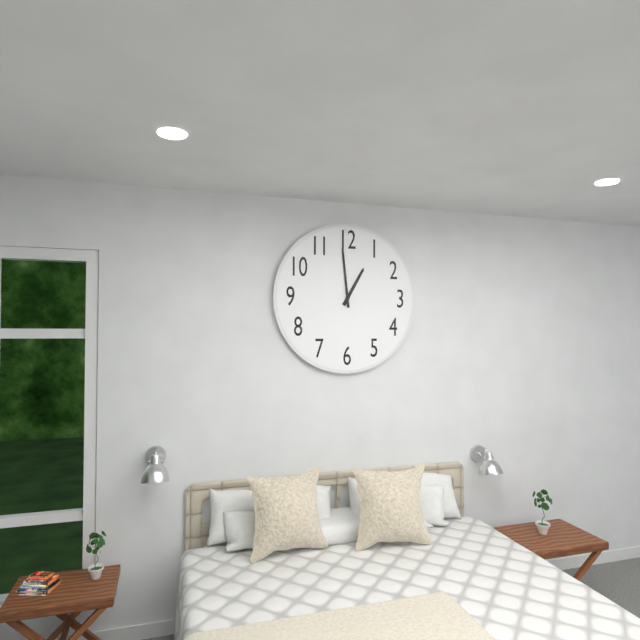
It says 12:59
